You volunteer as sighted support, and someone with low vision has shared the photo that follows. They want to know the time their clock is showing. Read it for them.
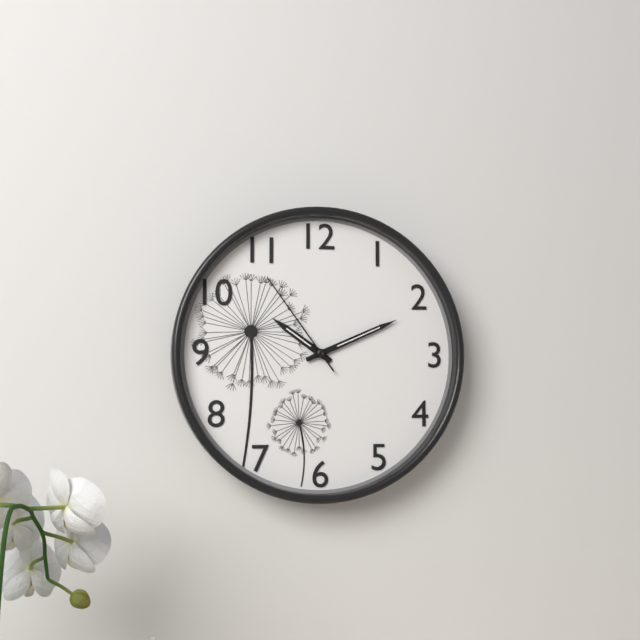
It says 10:11:54
